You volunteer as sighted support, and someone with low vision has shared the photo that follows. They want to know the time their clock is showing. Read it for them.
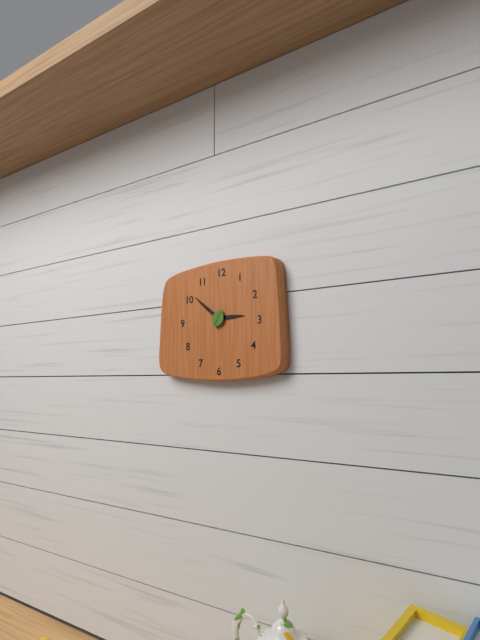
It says 2:51
